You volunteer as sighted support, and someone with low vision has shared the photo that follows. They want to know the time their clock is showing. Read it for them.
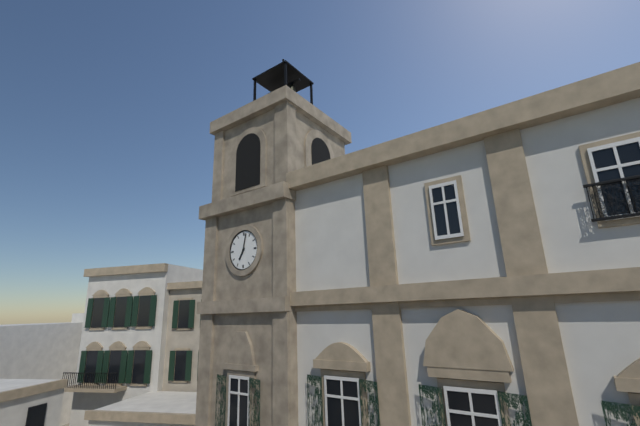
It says 7:02
